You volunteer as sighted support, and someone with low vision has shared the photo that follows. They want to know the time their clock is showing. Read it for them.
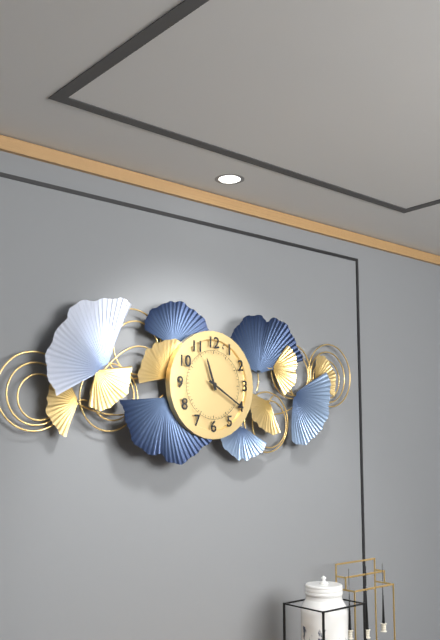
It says 11:20
